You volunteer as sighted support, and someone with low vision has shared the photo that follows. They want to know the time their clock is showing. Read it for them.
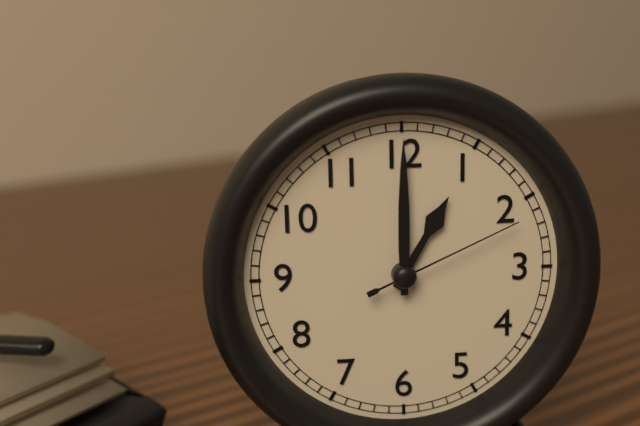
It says 1:00:11
